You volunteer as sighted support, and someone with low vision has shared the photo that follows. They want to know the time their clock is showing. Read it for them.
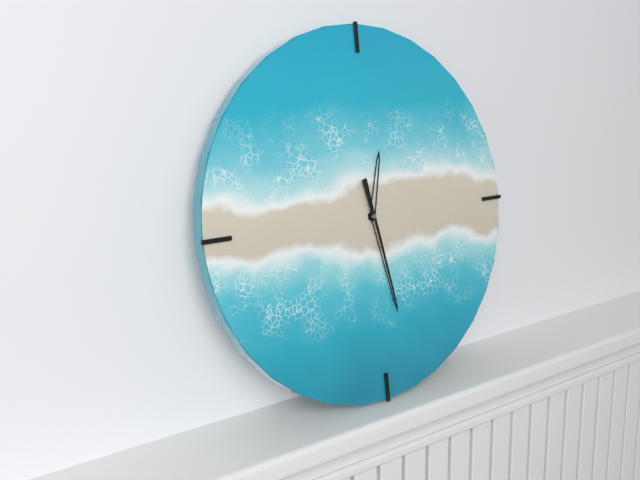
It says 12:28:28
